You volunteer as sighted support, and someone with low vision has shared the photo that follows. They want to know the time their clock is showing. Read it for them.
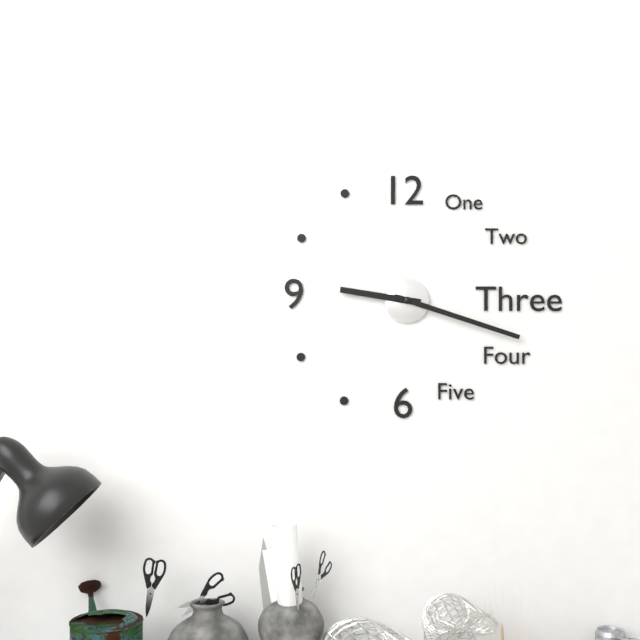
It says 9:18
